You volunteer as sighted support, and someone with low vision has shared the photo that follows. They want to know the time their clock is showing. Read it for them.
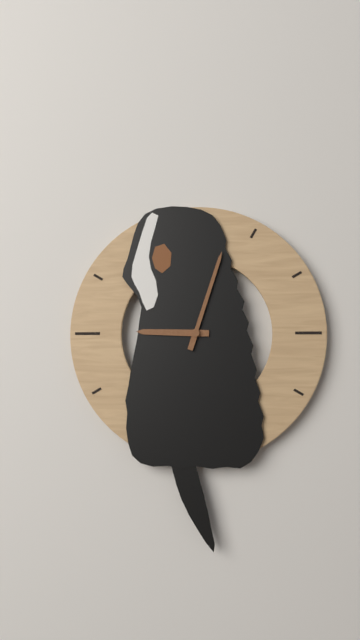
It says 9:03
